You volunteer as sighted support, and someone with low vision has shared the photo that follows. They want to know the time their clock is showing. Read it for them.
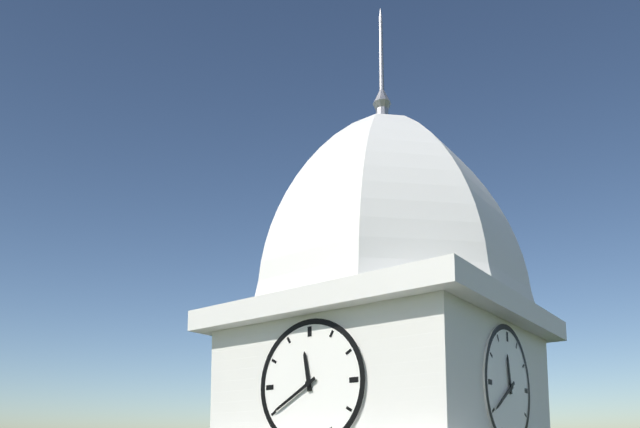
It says 11:40
